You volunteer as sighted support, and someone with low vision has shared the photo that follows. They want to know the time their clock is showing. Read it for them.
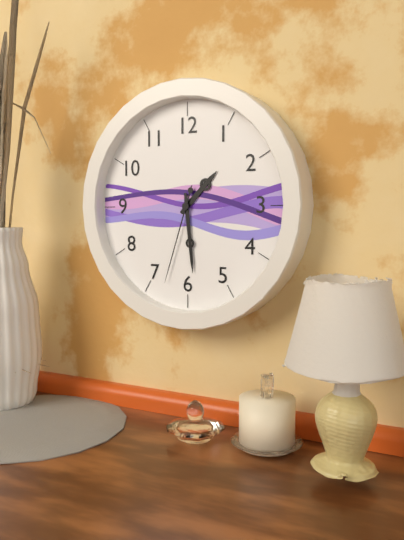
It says 1:29:33
